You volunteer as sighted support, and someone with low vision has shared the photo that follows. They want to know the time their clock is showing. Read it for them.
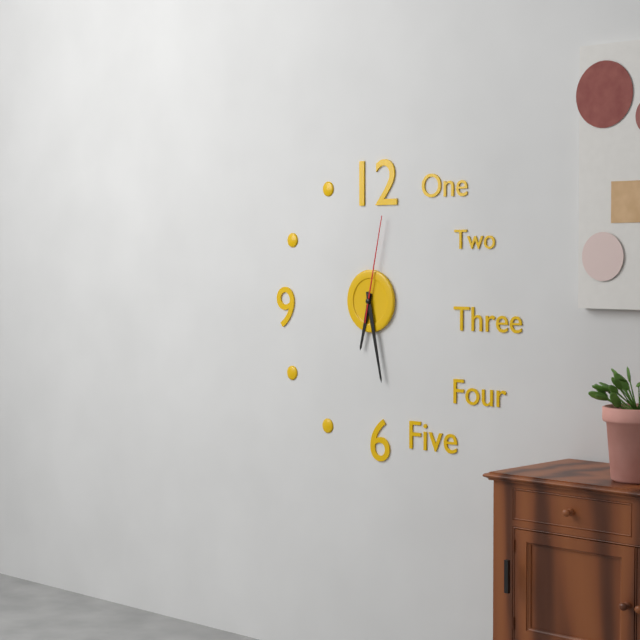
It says 6:28:02
